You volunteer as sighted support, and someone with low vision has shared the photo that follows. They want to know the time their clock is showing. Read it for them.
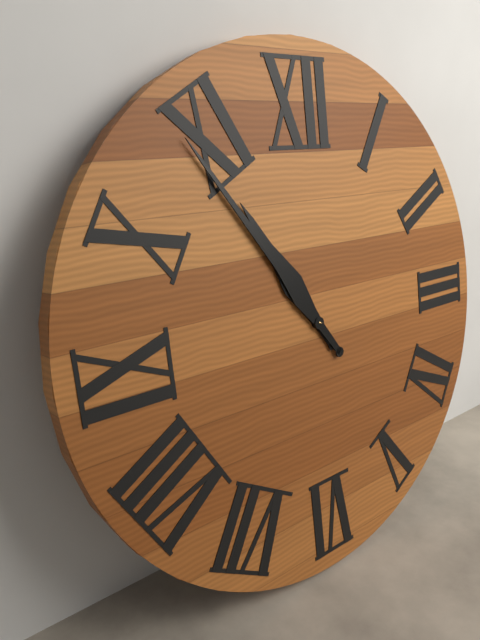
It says 10:54
